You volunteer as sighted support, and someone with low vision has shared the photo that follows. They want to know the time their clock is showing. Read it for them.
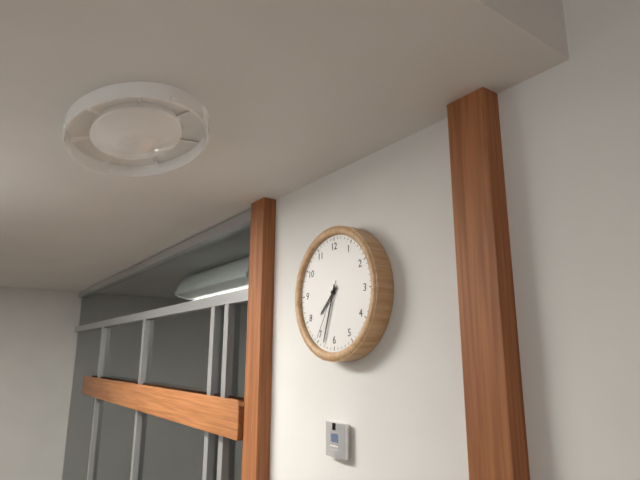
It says 7:33:35
